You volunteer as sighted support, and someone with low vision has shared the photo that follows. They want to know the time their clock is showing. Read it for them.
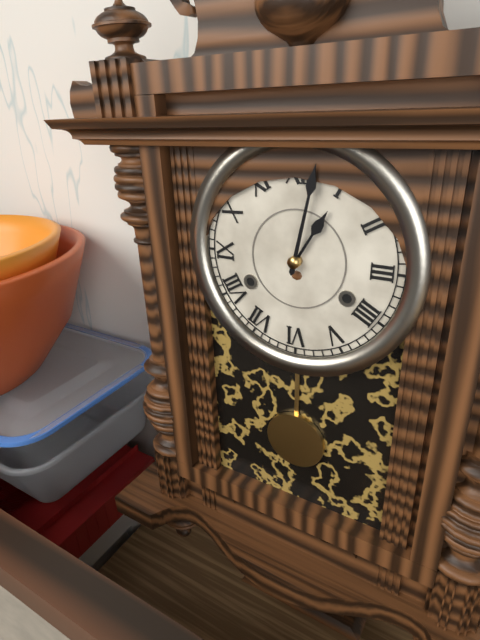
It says 1:02
